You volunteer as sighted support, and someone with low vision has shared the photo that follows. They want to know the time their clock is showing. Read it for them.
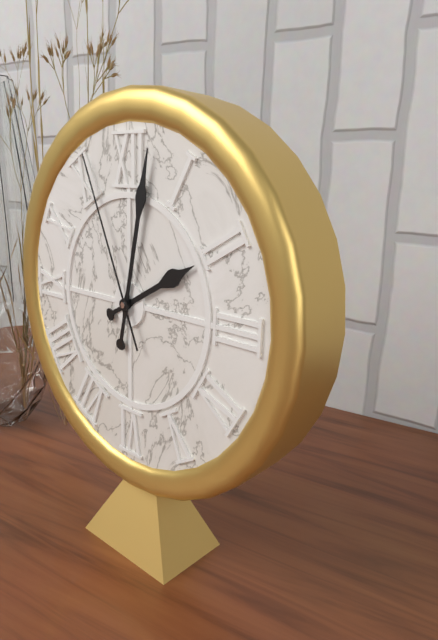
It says 2:02:56
